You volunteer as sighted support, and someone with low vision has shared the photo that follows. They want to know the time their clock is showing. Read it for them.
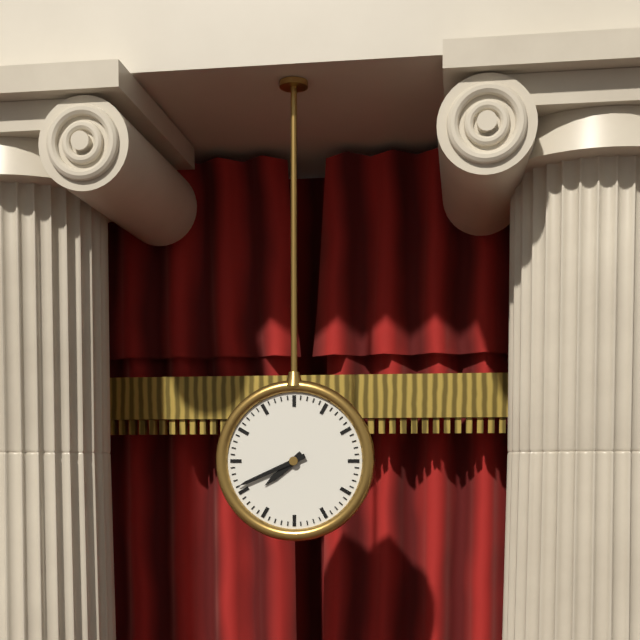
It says 7:41
